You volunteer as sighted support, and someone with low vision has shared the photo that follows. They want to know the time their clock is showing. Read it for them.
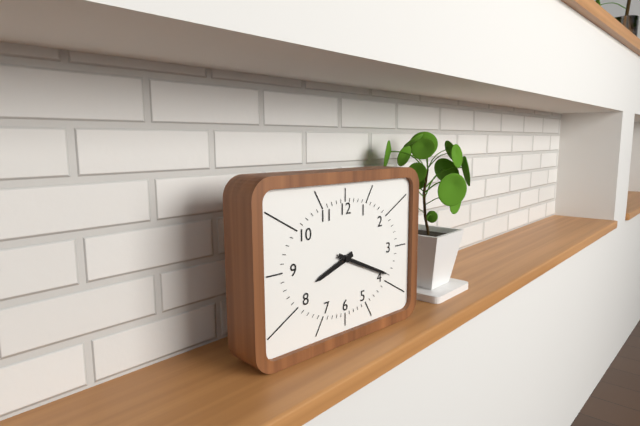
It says 8:19
